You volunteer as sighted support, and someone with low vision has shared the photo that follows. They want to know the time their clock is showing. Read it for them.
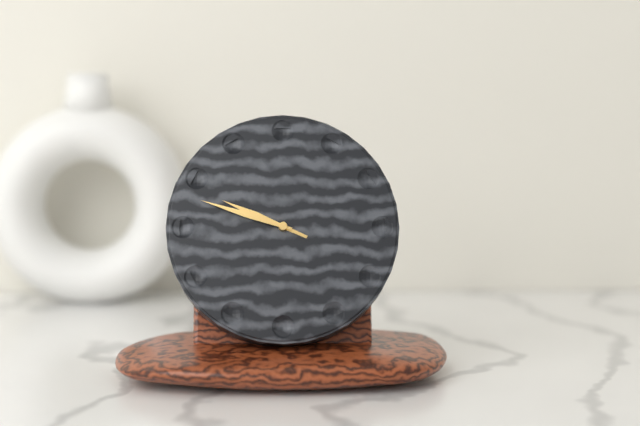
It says 9:48
